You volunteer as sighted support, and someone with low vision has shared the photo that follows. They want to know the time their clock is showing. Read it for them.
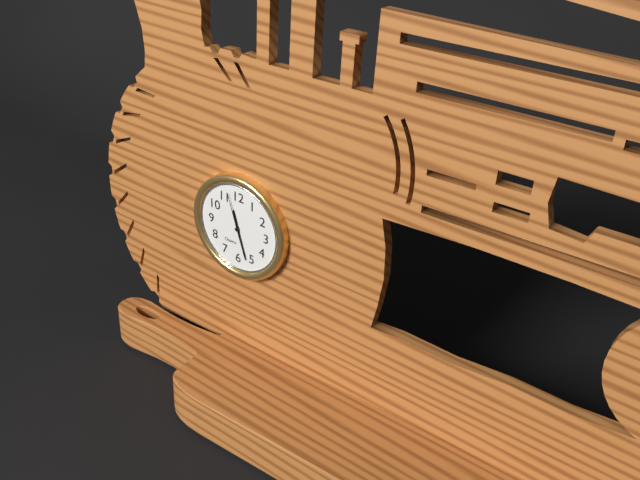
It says 11:27
